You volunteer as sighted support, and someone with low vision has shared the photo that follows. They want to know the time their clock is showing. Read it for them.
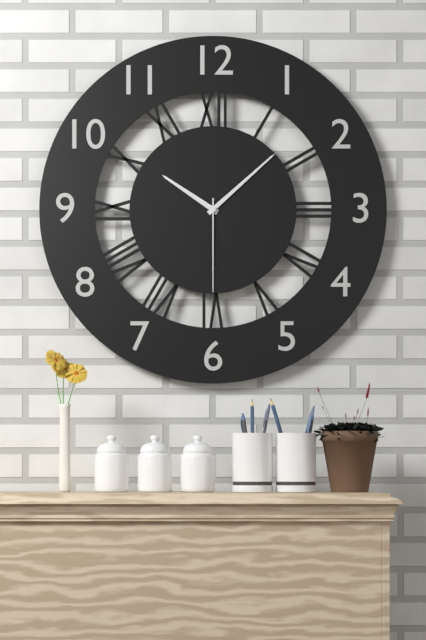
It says 10:08:30
